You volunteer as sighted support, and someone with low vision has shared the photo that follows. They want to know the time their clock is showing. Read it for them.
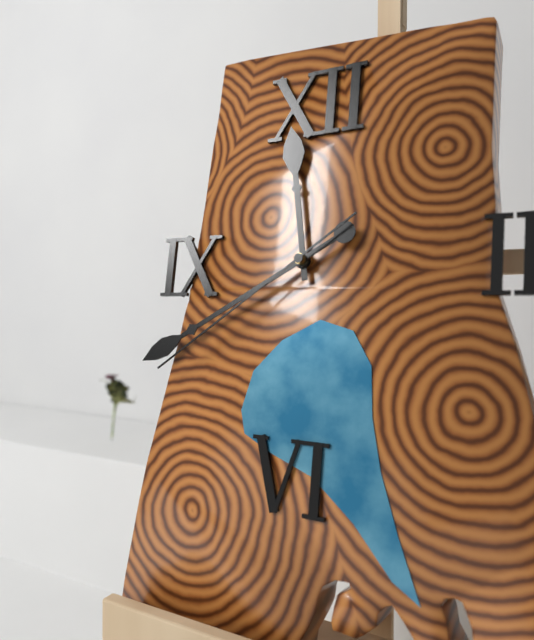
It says 11:40:39
